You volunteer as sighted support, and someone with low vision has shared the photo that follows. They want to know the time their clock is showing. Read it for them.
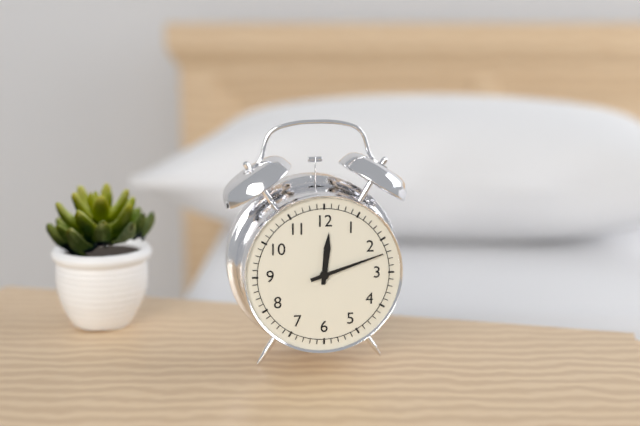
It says 12:12
